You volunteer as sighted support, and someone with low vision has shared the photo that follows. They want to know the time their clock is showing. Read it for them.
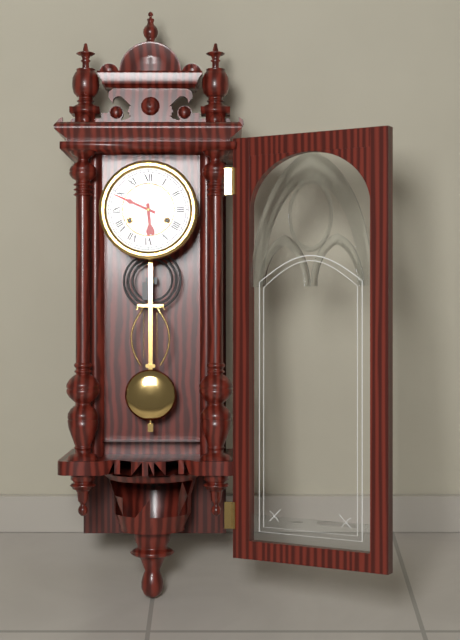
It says 5:49
